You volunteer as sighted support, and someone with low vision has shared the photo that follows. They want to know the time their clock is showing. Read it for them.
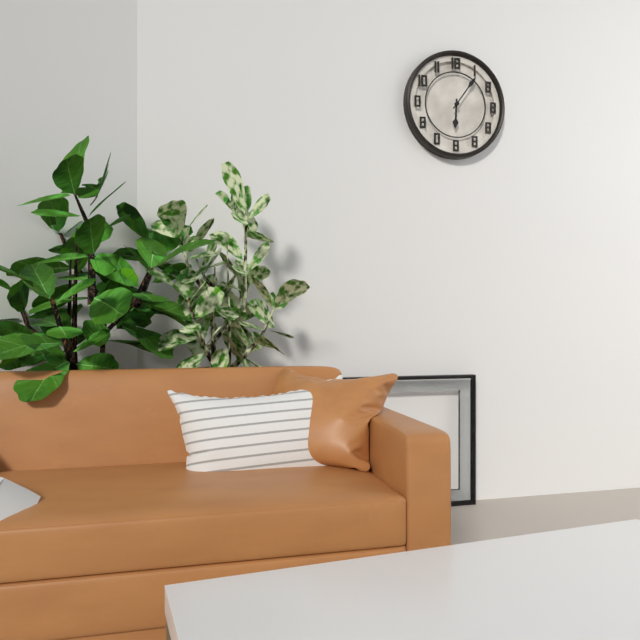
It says 6:06
